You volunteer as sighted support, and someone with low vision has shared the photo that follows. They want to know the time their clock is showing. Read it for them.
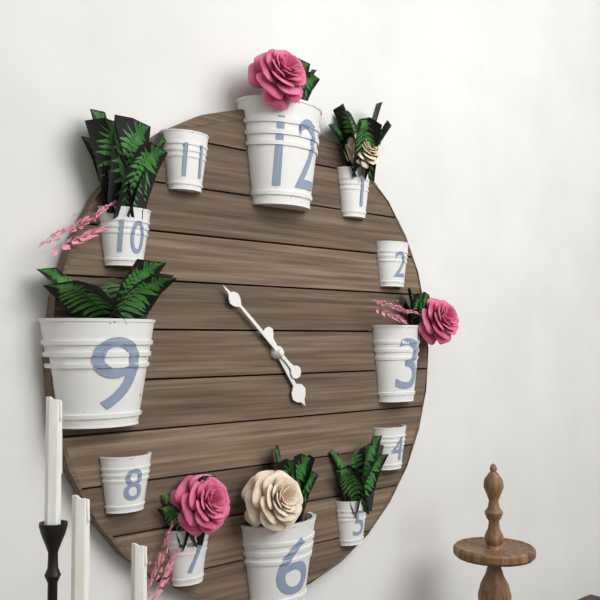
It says 4:52
